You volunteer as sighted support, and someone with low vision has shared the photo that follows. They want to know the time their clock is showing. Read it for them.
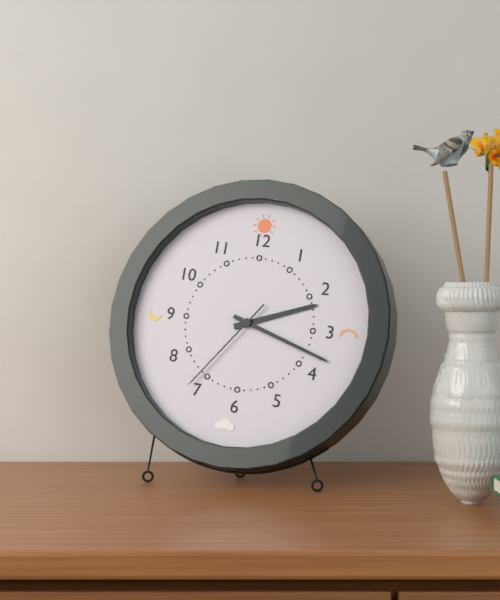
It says 2:18:36
